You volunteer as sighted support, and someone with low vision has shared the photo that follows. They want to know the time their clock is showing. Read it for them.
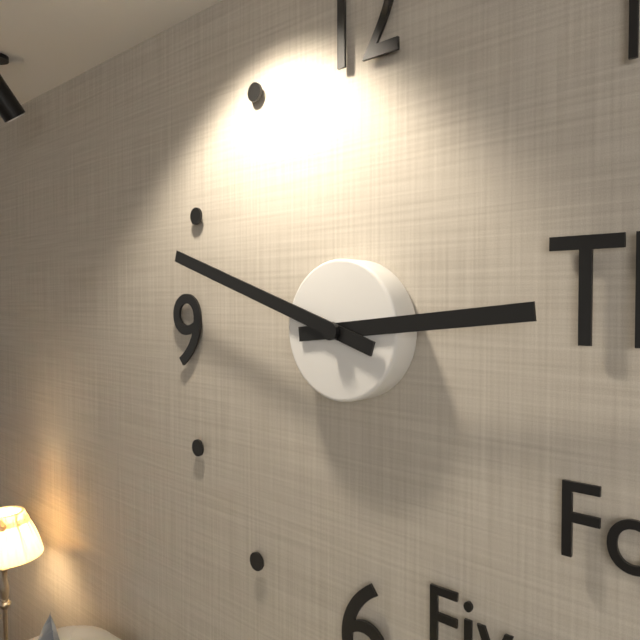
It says 2:48
